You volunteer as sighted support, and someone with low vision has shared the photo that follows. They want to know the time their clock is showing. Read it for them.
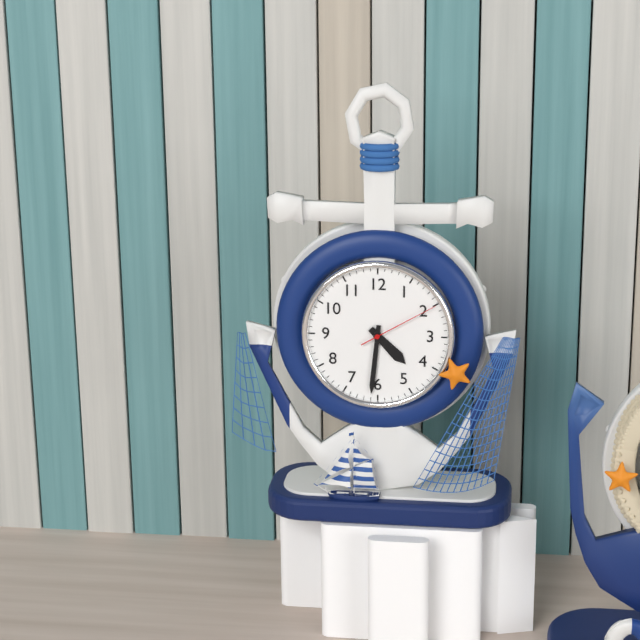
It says 4:31:10
